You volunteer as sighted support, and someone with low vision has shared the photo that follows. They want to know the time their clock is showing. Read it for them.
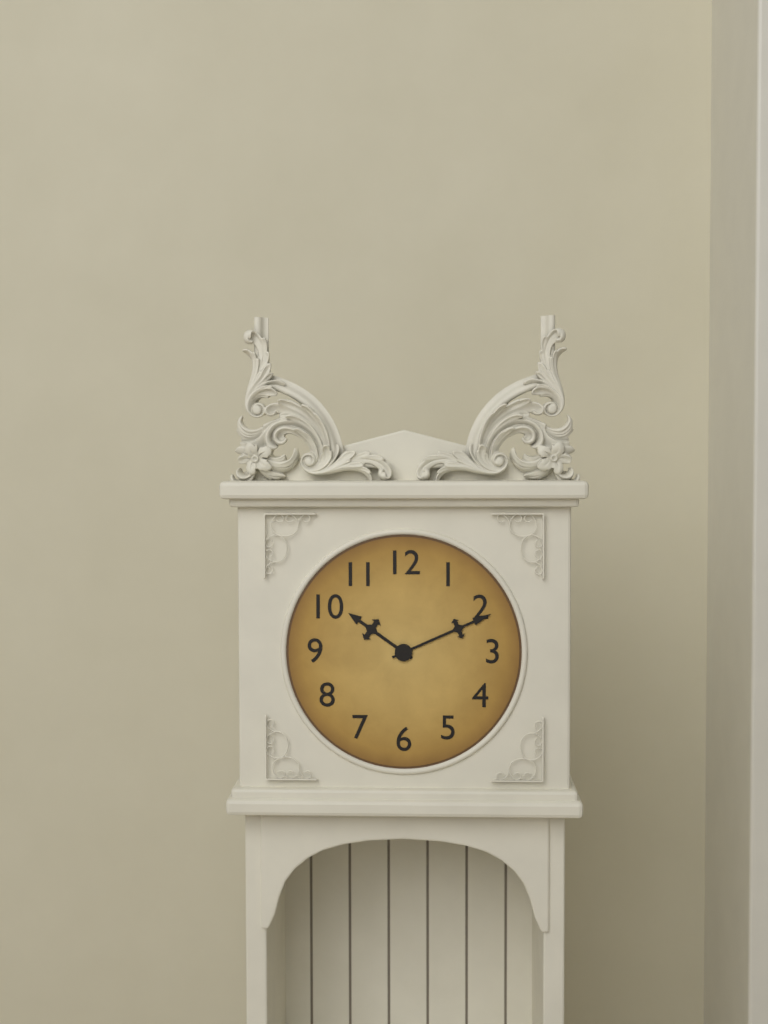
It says 10:11
